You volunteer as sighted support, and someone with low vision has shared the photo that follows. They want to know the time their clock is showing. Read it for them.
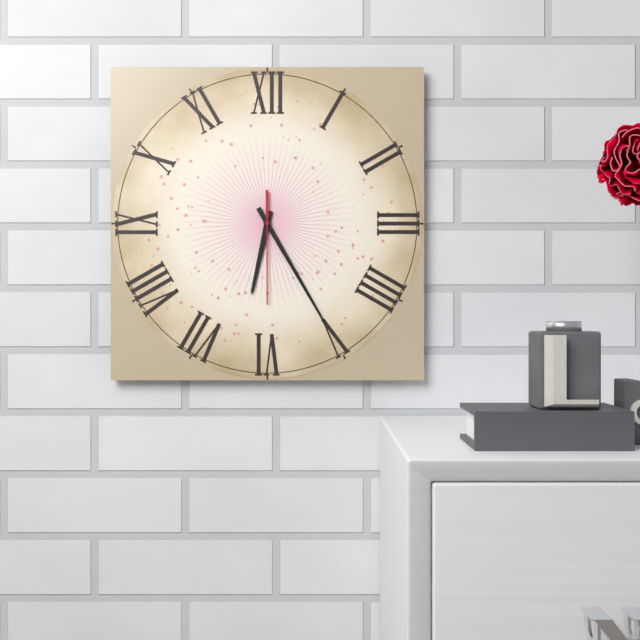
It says 6:25:30
